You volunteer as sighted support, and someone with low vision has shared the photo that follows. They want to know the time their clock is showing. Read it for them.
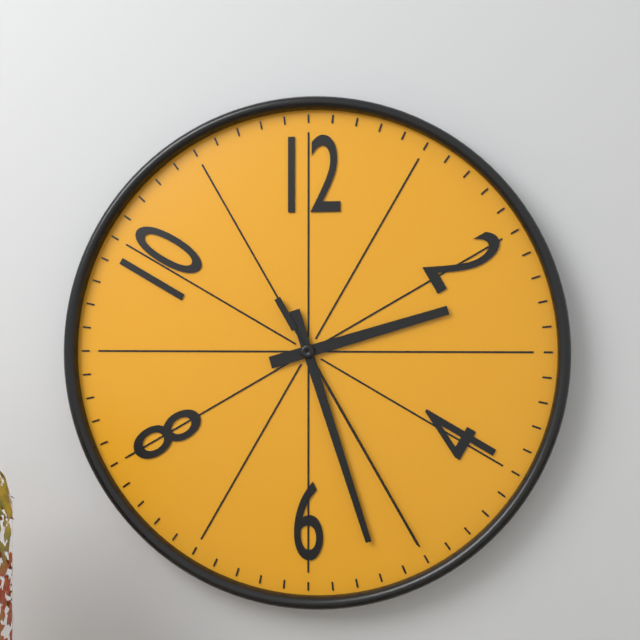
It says 2:27:25
